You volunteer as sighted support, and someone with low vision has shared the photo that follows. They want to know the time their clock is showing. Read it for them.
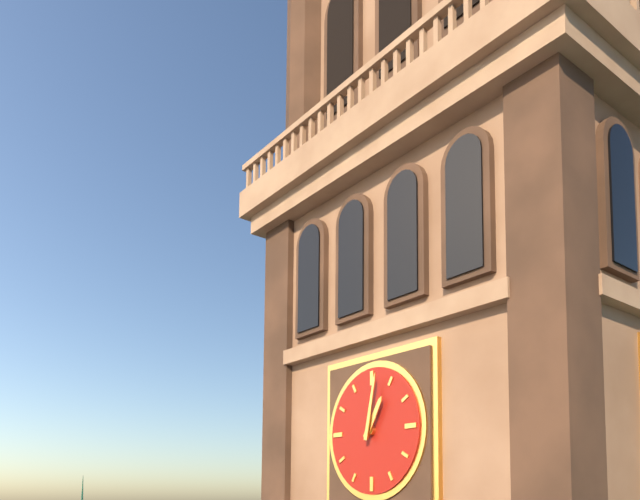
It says 1:02
